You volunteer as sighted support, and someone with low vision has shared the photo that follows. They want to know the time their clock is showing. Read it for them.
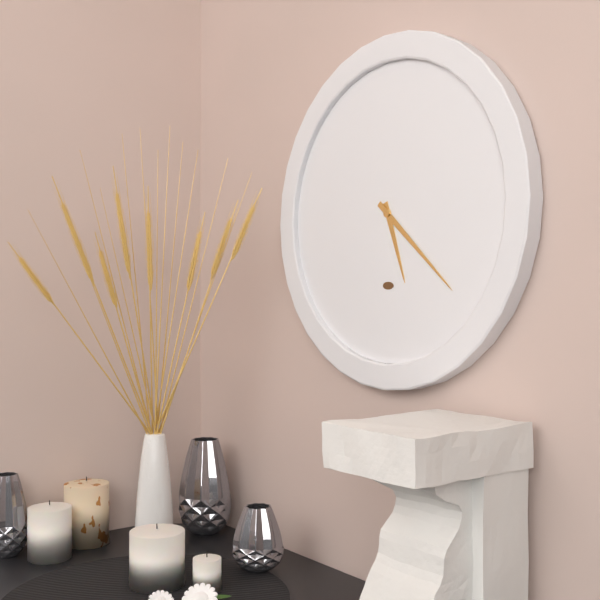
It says 5:22
